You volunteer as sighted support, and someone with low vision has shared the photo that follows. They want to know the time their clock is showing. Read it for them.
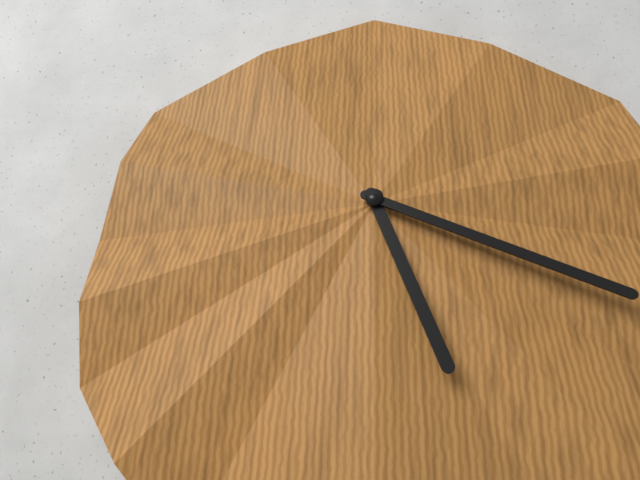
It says 5:19
